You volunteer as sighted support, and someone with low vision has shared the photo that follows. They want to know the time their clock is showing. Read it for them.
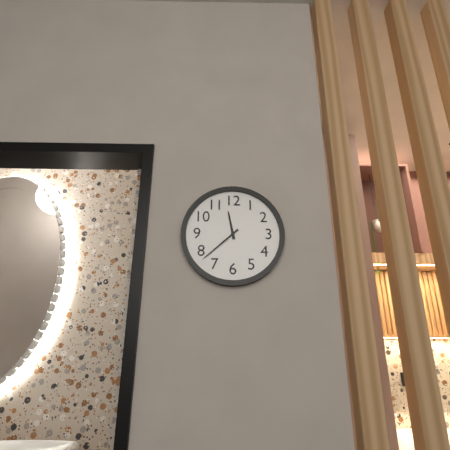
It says 11:38
